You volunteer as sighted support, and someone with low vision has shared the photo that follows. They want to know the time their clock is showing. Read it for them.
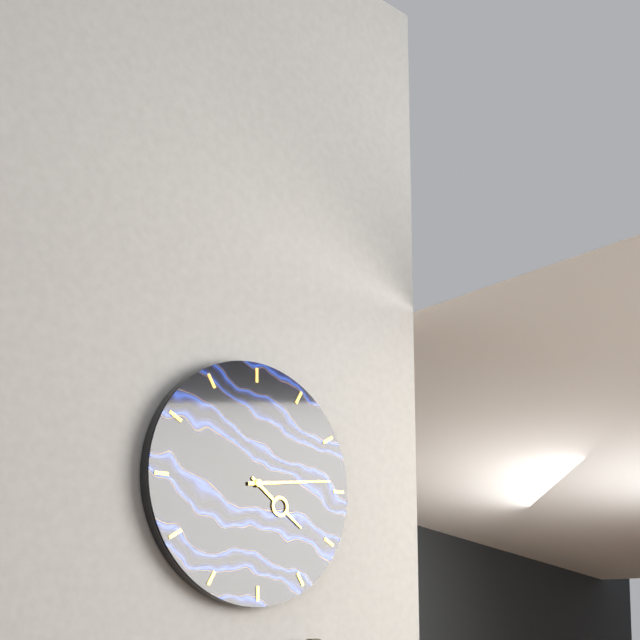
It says 4:14
